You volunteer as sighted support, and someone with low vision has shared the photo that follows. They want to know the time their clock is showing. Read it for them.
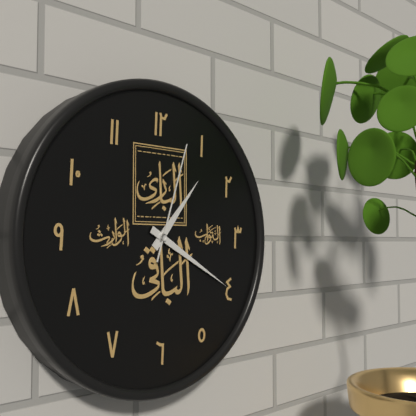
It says 1:20:03
